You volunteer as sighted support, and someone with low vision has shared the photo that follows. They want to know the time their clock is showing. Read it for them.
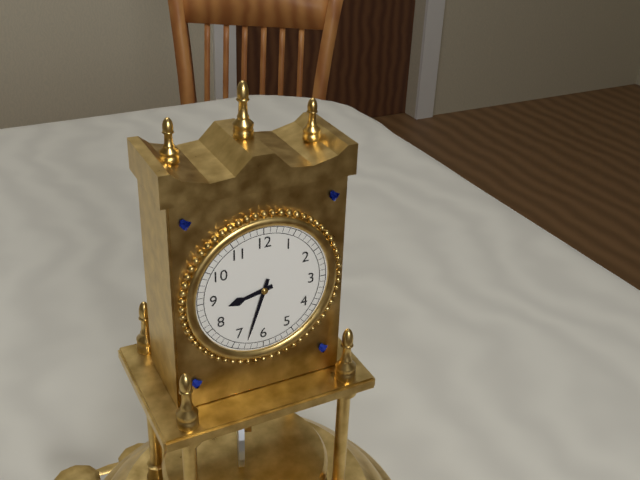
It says 8:33
